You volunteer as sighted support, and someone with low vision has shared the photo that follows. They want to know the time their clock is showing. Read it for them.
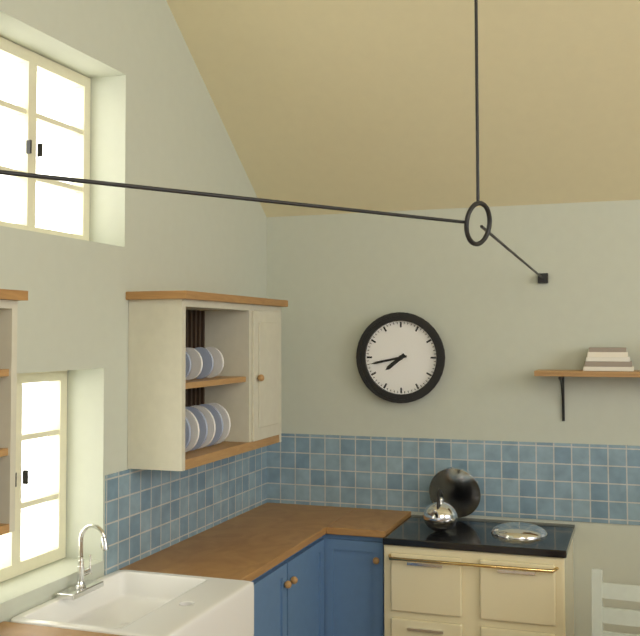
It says 7:43
